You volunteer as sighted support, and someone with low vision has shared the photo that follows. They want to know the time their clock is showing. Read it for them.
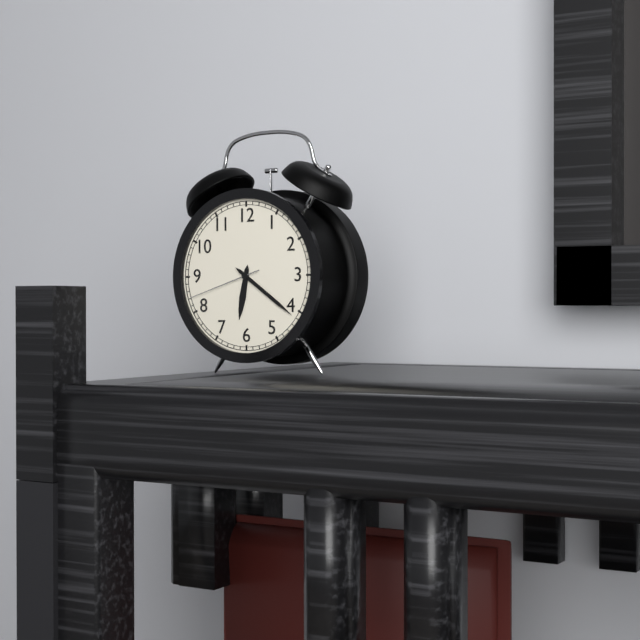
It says 6:21:42
